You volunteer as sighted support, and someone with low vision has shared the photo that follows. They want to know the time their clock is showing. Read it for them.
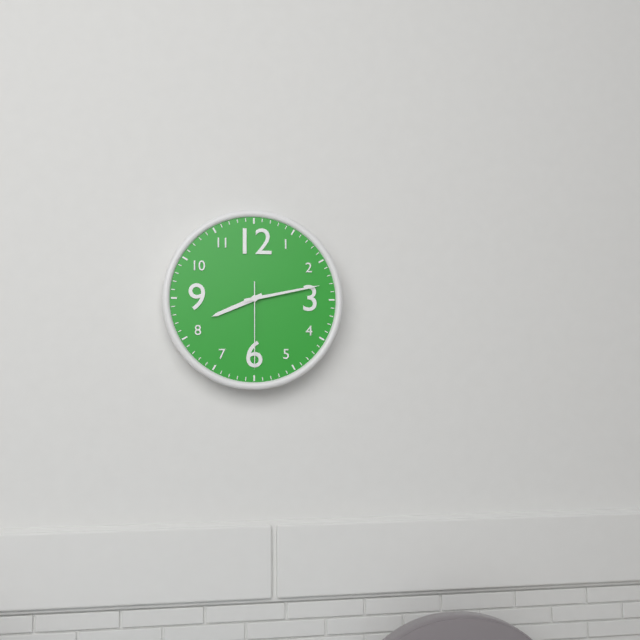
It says 8:13:30
